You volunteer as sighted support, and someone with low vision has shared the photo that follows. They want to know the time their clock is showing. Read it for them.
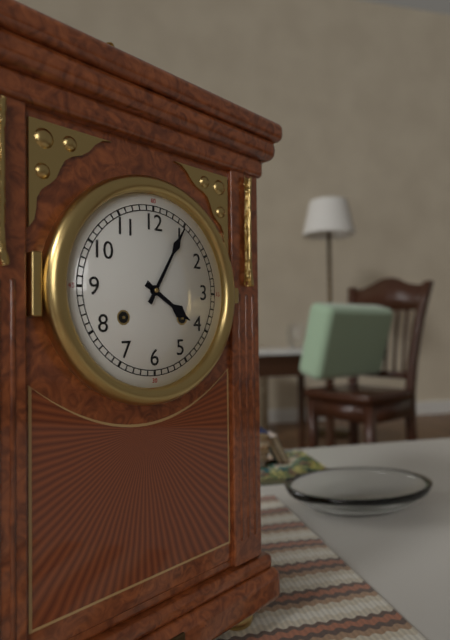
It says 4:05
